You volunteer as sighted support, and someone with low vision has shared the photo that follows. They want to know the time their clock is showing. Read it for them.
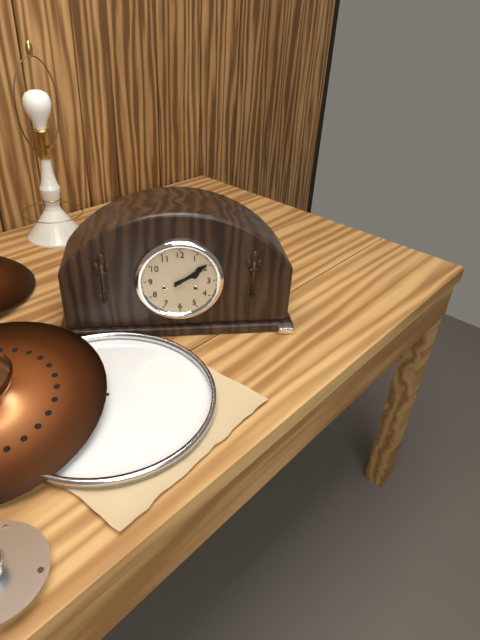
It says 2:09
